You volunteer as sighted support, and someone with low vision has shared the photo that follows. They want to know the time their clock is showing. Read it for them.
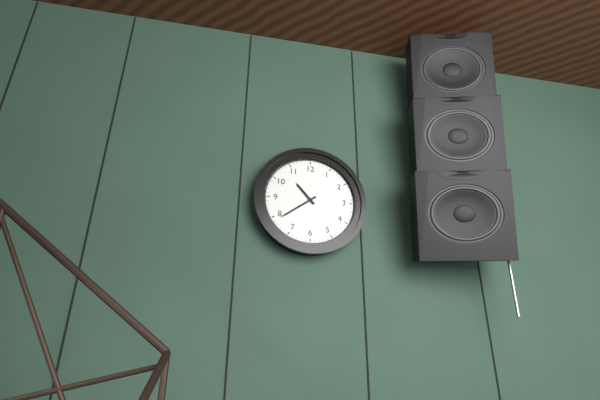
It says 10:39
